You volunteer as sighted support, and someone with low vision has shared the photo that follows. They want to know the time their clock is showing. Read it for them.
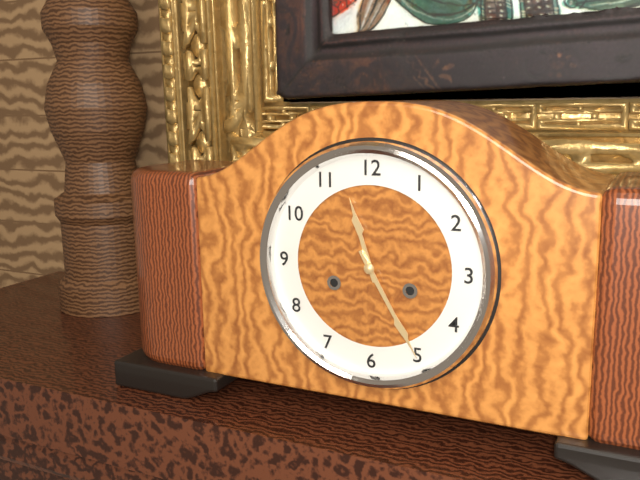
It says 11:25
